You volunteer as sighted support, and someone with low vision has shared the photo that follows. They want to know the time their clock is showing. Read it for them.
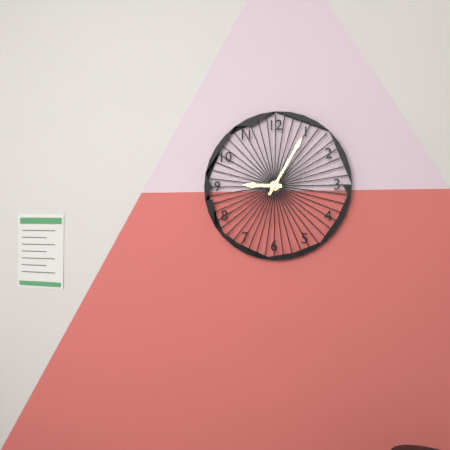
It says 9:05
